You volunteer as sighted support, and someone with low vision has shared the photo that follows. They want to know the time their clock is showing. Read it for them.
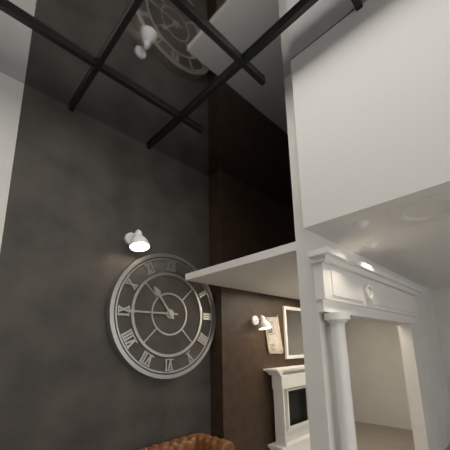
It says 10:45
